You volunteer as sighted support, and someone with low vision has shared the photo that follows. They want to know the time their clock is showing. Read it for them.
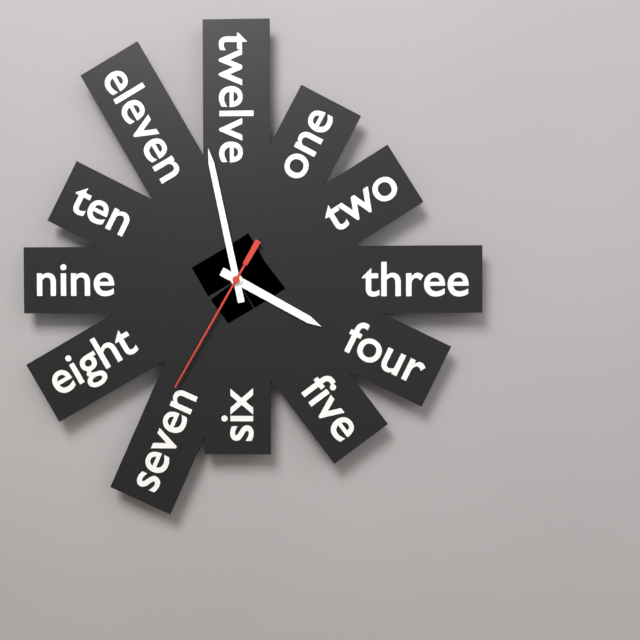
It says 3:58:35
